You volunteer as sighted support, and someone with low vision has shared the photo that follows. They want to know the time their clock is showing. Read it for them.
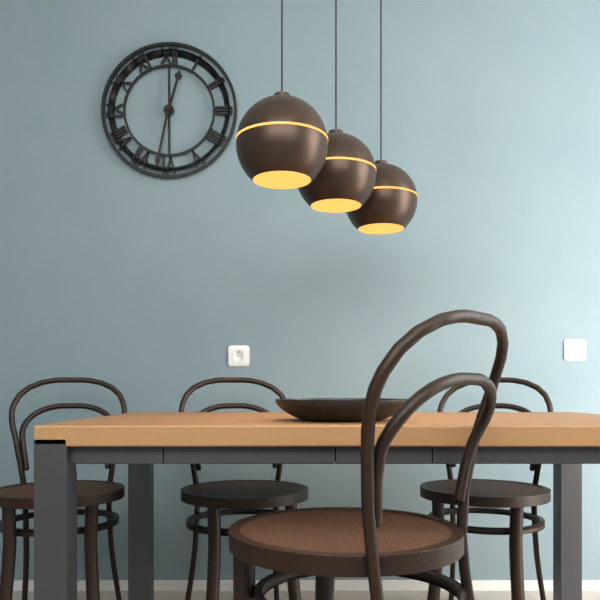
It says 12:32
